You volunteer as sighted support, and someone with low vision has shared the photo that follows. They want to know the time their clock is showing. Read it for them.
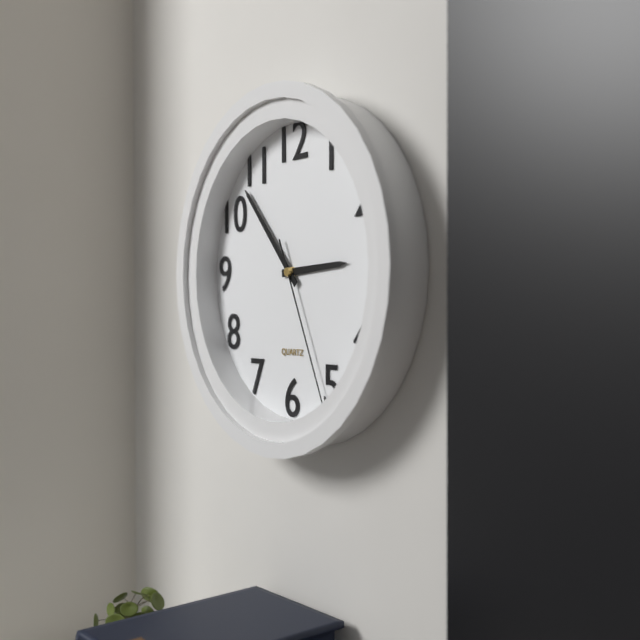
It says 2:53:26
